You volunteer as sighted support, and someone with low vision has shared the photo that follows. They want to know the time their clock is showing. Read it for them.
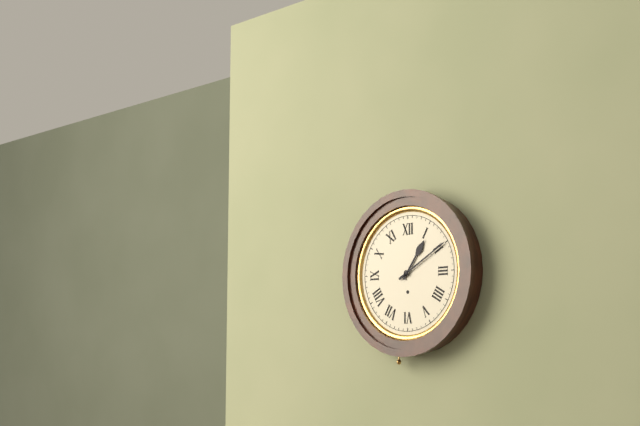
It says 1:10
